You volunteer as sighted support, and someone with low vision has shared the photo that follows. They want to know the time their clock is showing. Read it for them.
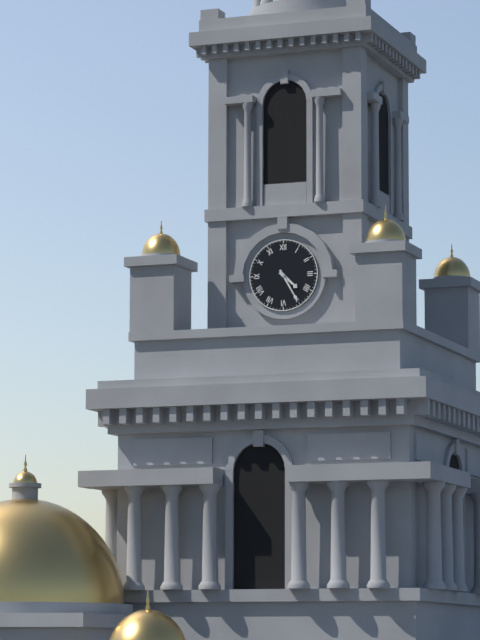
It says 4:25
